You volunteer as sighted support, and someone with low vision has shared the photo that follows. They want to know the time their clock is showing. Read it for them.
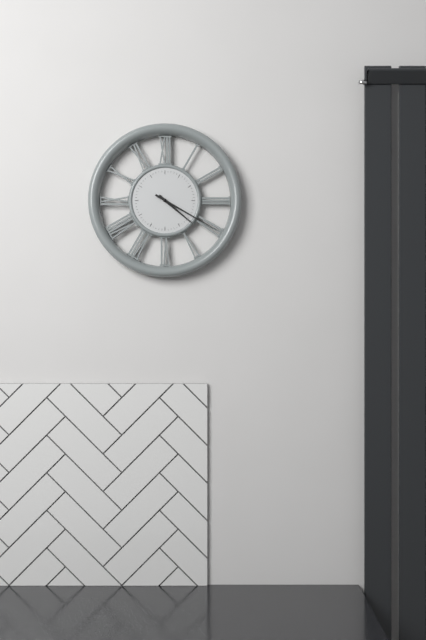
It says 4:20
